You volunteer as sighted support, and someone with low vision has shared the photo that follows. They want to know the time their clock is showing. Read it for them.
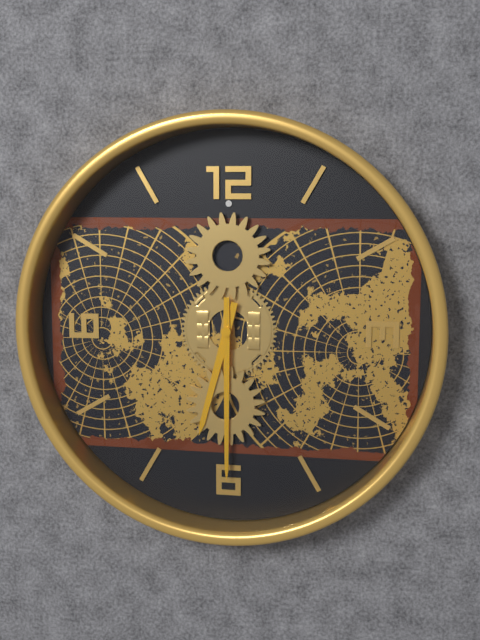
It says 6:30
